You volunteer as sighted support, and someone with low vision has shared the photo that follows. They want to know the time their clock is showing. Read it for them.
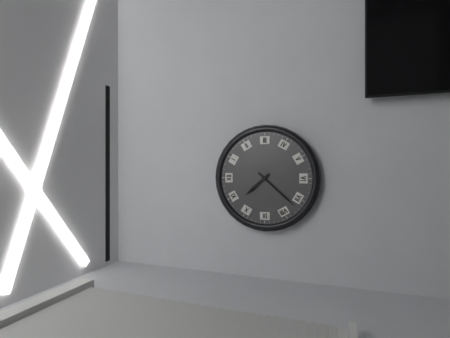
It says 10:37
